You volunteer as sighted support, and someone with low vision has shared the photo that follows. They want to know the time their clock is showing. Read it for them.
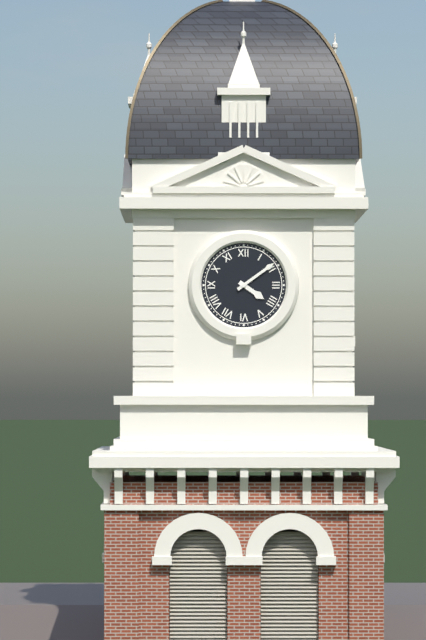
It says 4:09
